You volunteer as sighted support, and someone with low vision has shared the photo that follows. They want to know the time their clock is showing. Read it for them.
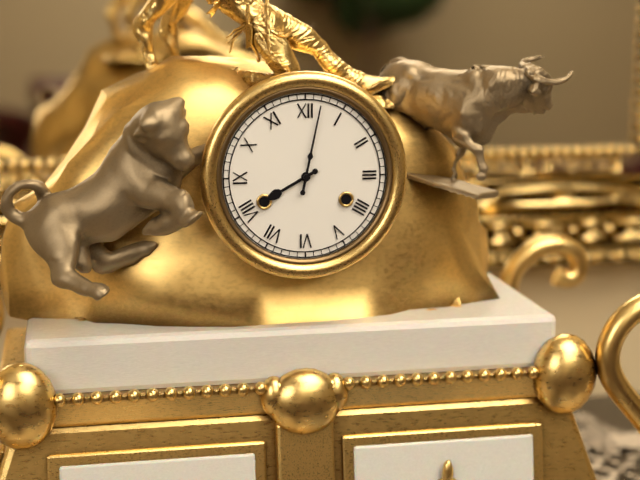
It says 8:02
